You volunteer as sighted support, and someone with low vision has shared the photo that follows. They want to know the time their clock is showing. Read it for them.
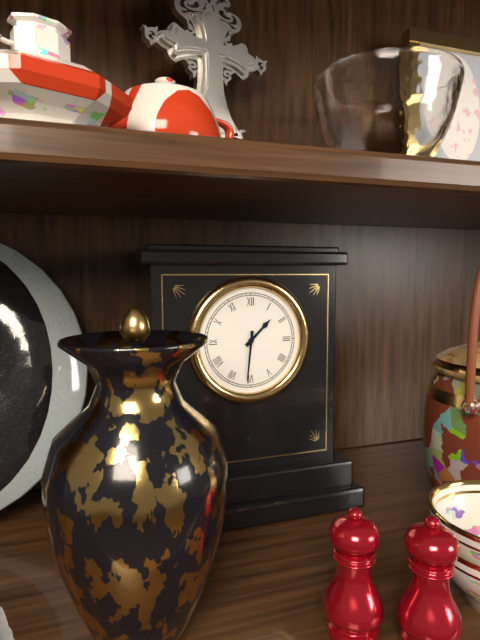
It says 1:31
